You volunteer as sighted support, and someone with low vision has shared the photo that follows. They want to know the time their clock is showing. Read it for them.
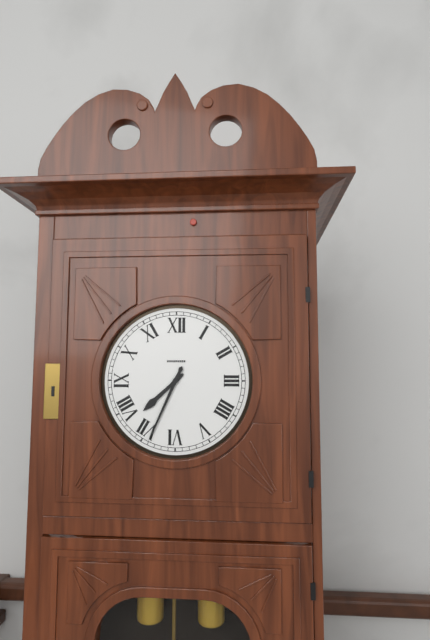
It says 7:34
